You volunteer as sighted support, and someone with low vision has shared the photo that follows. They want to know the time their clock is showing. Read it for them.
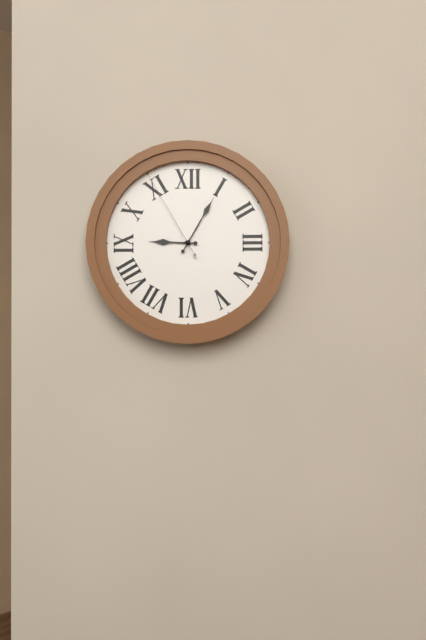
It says 9:05:55
